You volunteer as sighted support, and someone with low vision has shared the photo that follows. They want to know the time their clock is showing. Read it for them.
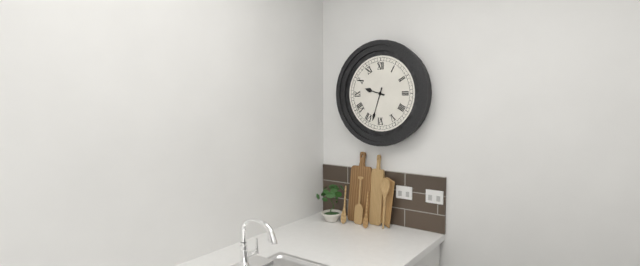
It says 9:33
